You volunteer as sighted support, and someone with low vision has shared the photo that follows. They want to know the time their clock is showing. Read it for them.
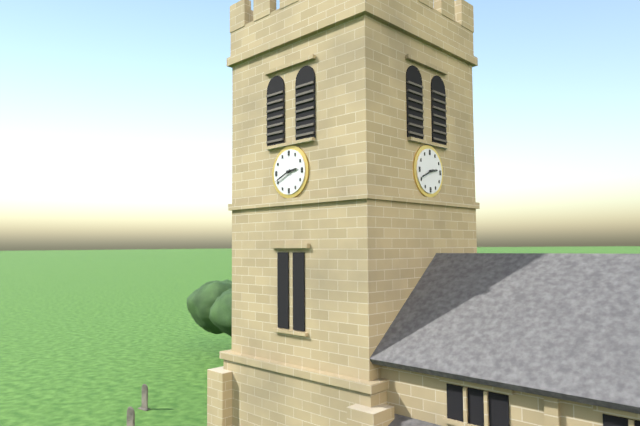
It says 2:41
